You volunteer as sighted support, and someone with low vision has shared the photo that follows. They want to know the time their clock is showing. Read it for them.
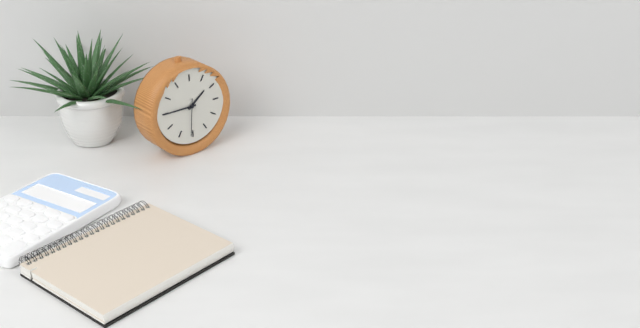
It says 1:45
